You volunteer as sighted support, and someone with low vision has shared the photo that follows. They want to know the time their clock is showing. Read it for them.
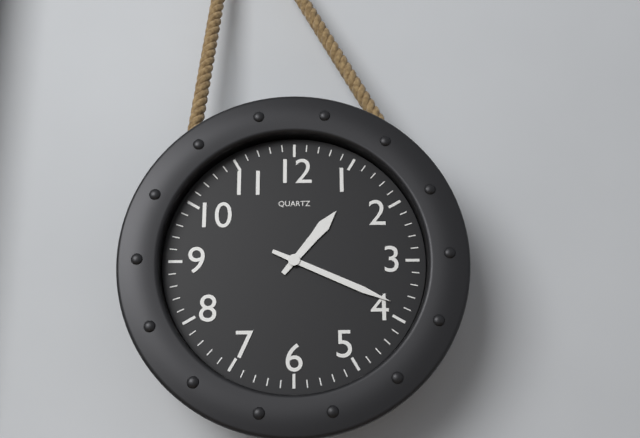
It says 1:19
